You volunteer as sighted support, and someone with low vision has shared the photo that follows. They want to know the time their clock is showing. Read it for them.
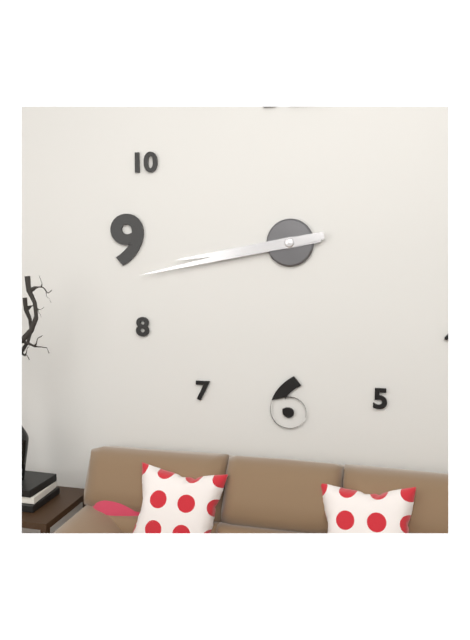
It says 8:43
